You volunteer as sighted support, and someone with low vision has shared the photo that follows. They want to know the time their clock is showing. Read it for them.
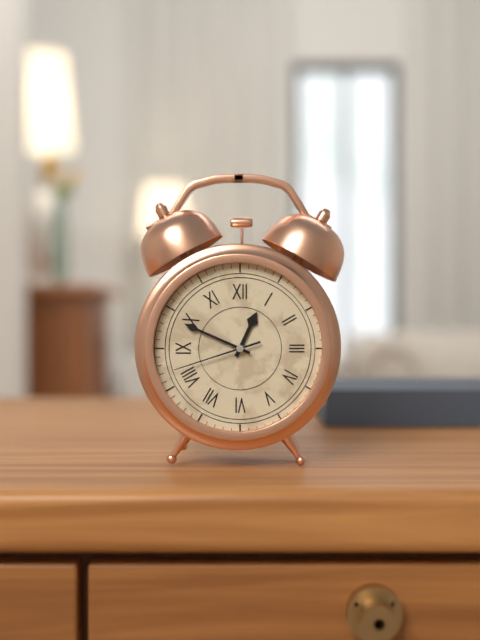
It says 12:49:42
